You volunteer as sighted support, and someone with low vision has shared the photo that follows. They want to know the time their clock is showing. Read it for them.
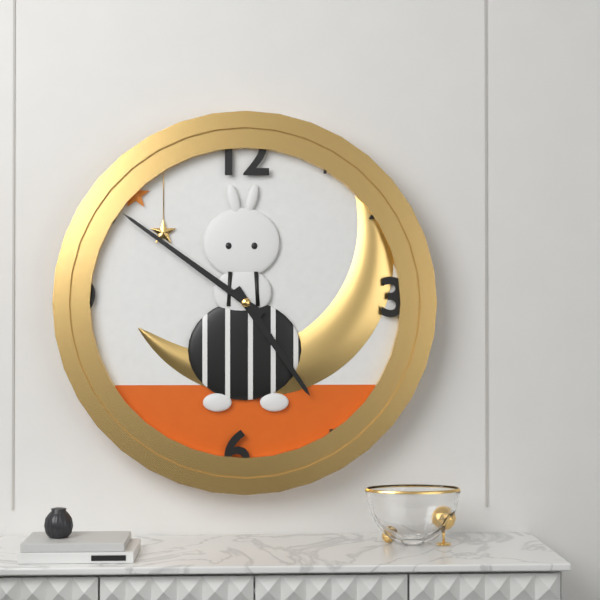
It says 4:51
